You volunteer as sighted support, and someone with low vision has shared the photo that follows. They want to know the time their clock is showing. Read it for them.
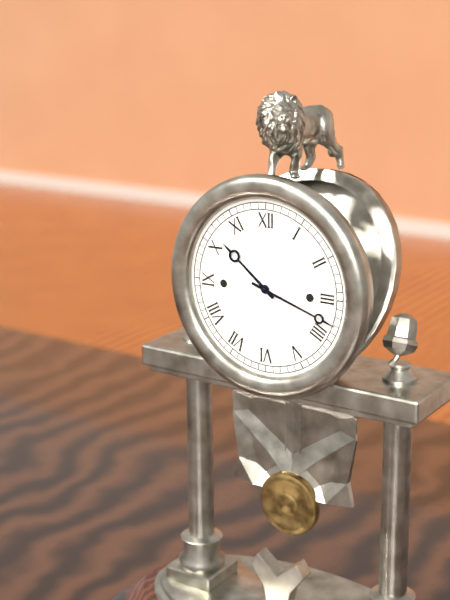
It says 10:18
